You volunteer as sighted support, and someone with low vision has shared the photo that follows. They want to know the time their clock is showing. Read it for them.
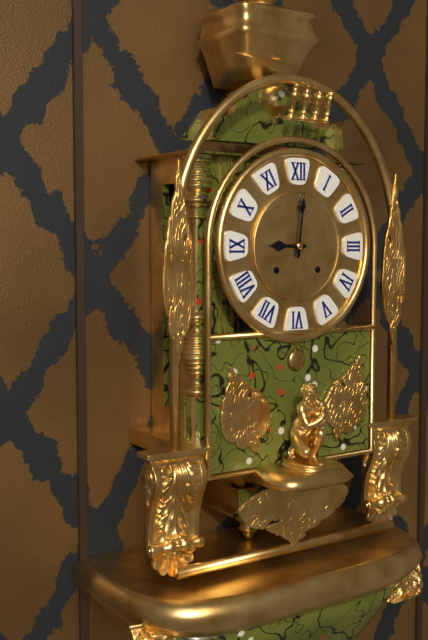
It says 9:01
